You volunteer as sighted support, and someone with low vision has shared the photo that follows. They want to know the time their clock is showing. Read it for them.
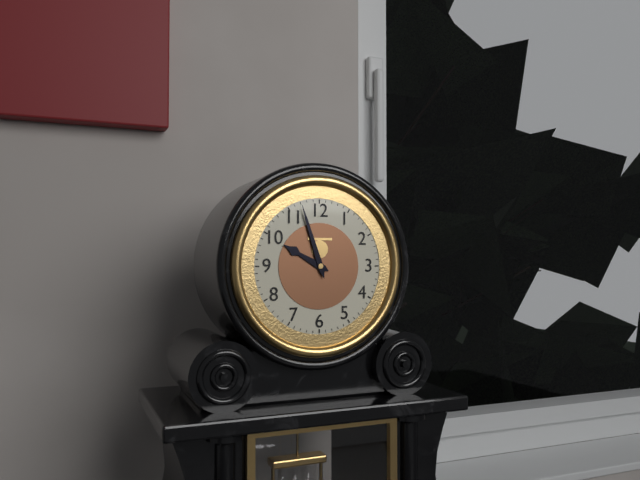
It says 9:57
